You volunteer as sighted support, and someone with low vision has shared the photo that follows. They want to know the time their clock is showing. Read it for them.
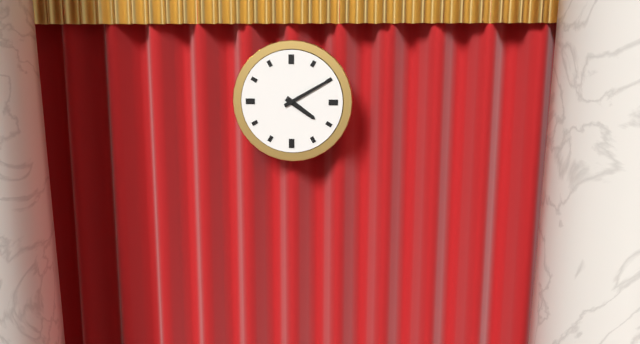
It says 4:10
